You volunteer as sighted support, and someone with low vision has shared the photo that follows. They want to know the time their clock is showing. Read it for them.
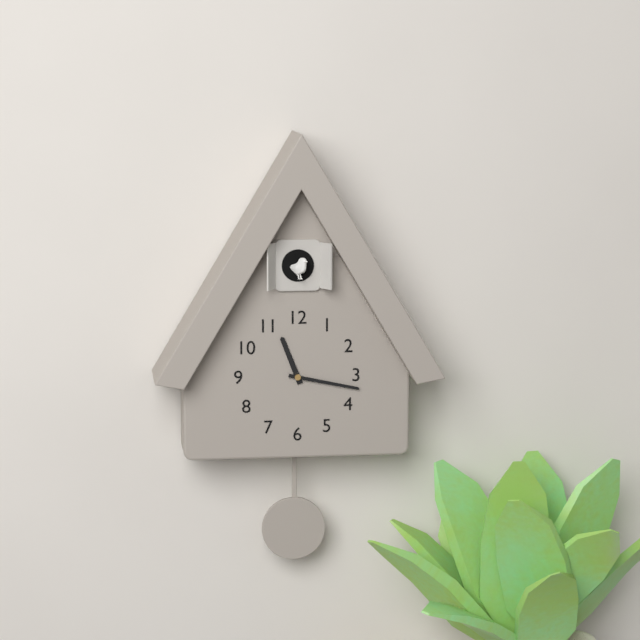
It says 11:17
